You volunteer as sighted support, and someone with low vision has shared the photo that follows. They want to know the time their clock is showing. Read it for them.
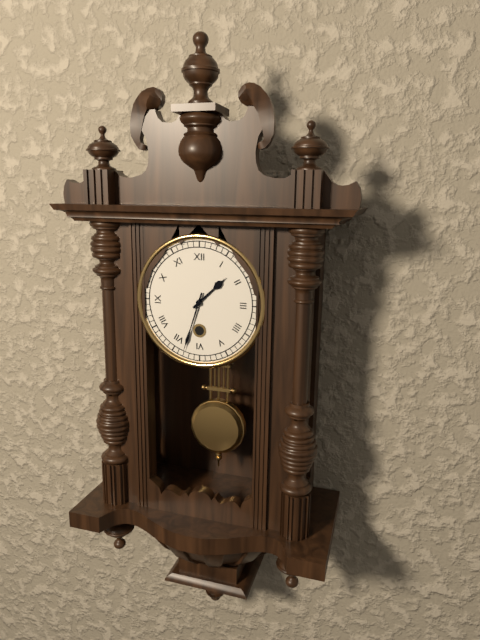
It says 1:33
